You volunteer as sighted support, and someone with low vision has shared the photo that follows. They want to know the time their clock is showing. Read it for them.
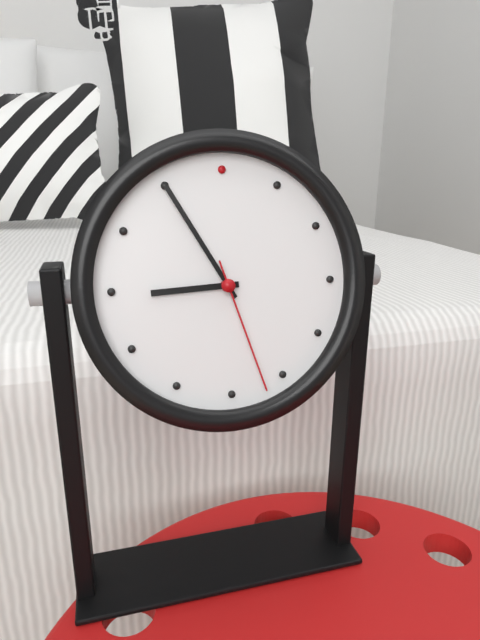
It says 8:55:27
